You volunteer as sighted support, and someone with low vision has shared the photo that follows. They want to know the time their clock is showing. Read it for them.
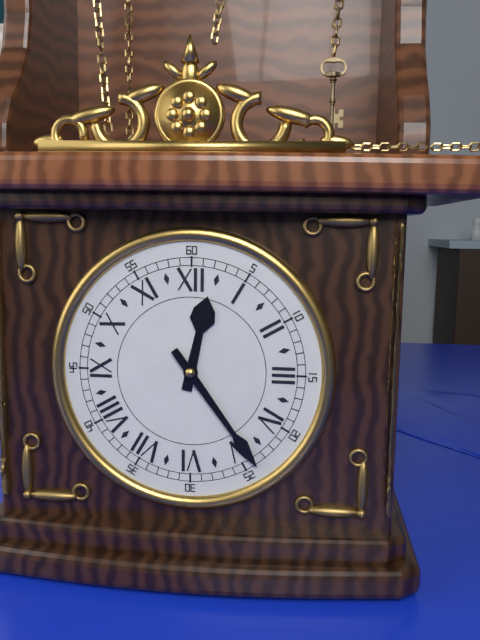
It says 12:24
